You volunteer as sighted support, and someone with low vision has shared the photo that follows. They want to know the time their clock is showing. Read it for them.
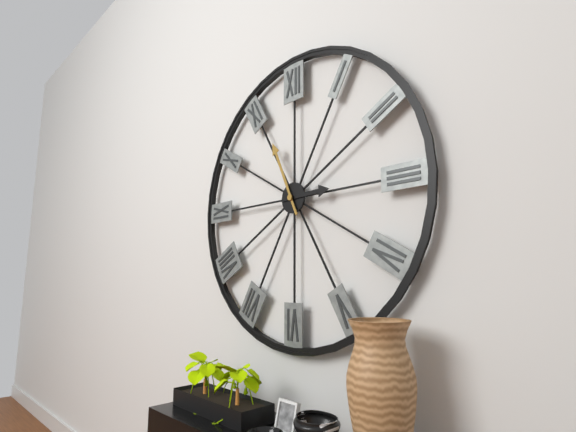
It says 2:56
